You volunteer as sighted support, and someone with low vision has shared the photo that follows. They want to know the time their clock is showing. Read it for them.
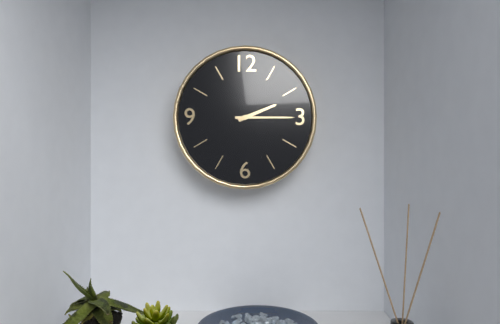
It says 2:15
